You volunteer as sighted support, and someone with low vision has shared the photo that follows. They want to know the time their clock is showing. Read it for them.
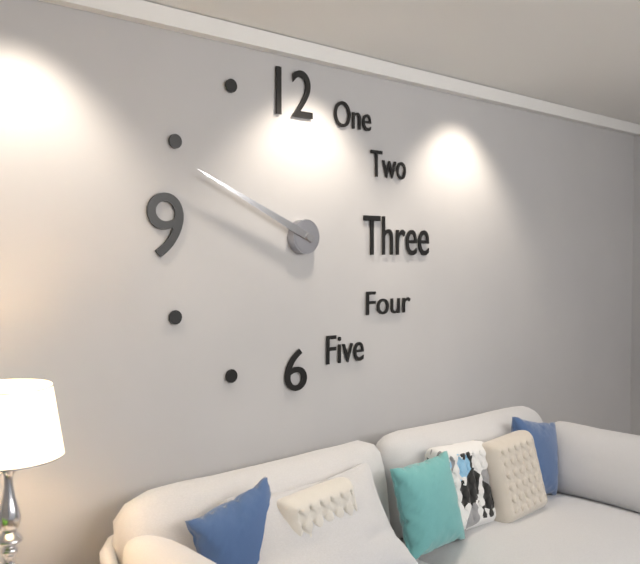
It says 9:49
